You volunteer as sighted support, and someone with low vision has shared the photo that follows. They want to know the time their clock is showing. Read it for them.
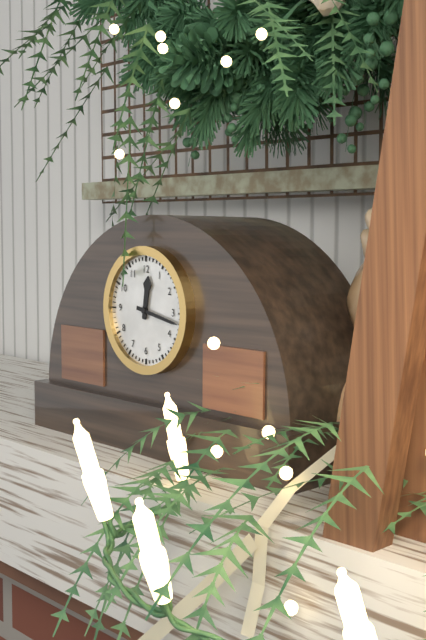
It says 12:17
